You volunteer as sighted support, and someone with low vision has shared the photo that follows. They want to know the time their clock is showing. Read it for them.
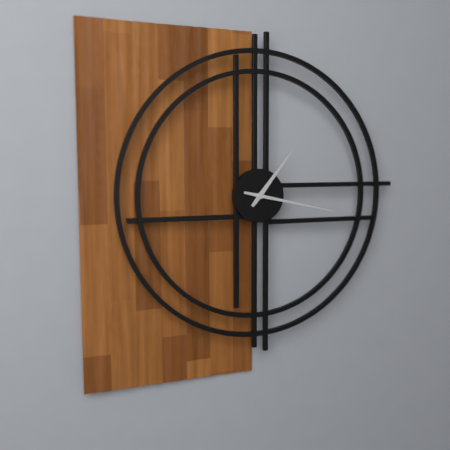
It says 1:17
